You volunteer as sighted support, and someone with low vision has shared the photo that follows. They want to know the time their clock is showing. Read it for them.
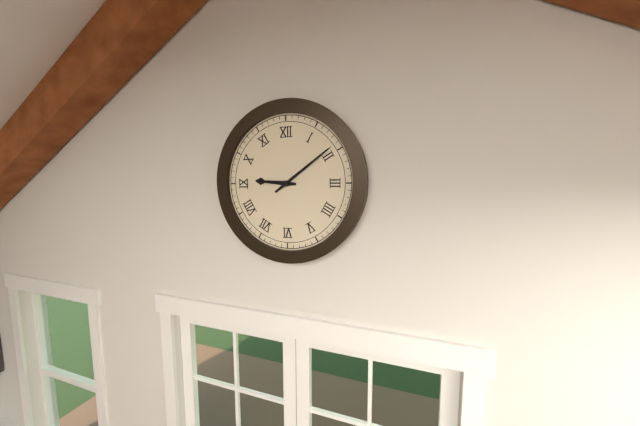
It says 9:09
